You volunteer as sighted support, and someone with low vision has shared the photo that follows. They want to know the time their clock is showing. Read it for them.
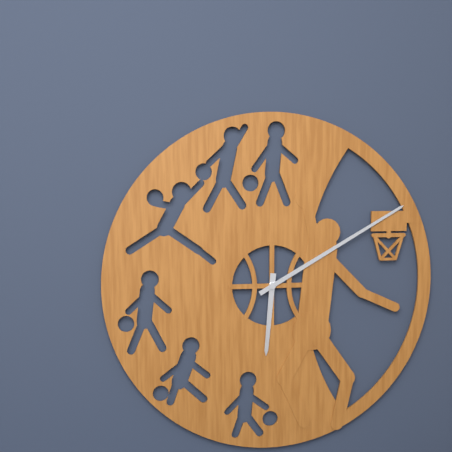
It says 6:10
